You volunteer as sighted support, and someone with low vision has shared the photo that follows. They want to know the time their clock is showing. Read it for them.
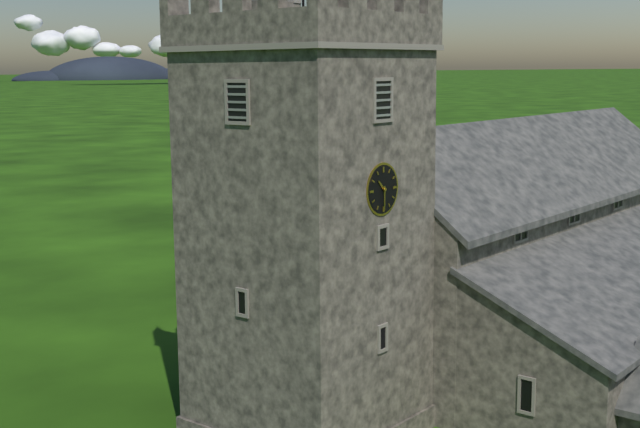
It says 10:30
